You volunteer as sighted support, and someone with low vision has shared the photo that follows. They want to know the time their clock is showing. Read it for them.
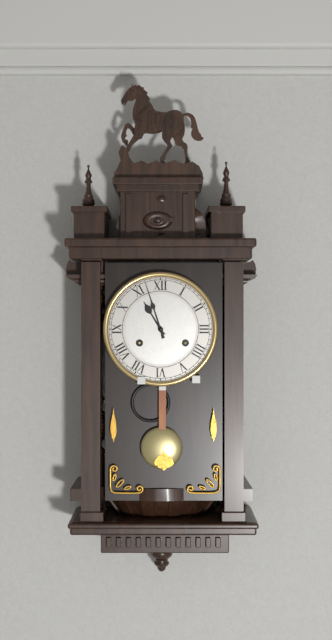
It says 10:57
